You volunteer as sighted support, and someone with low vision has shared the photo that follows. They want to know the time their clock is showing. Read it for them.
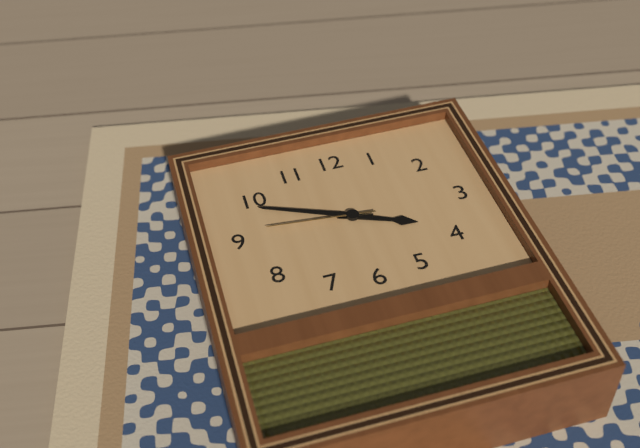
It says 3:49:46
